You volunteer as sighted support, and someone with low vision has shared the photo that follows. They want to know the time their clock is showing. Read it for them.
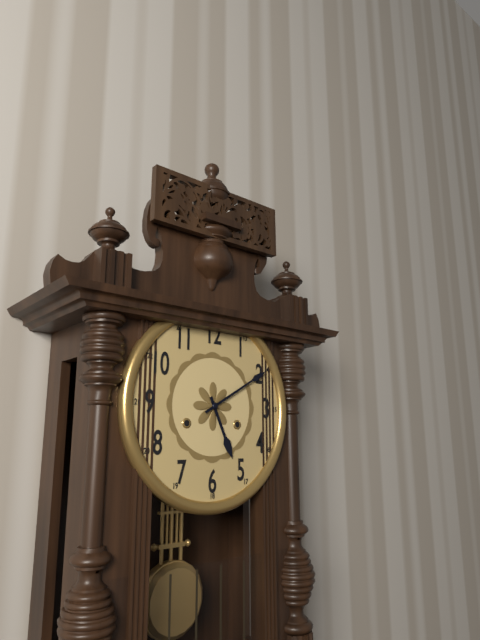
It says 5:10
